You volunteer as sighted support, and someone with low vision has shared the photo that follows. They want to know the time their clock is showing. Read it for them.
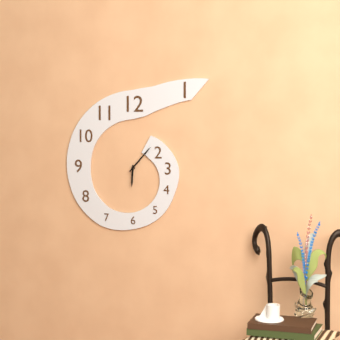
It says 6:07
